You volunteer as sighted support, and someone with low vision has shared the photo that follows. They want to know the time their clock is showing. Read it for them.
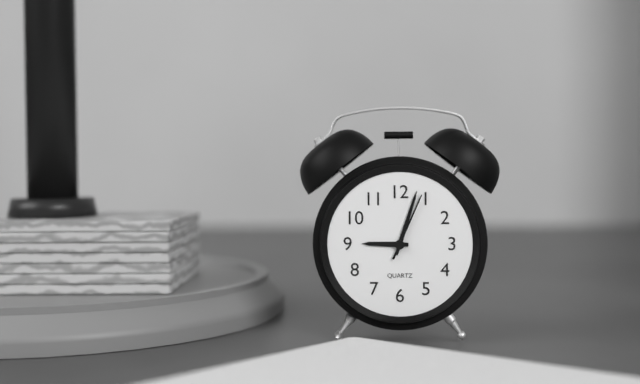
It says 9:03:04
